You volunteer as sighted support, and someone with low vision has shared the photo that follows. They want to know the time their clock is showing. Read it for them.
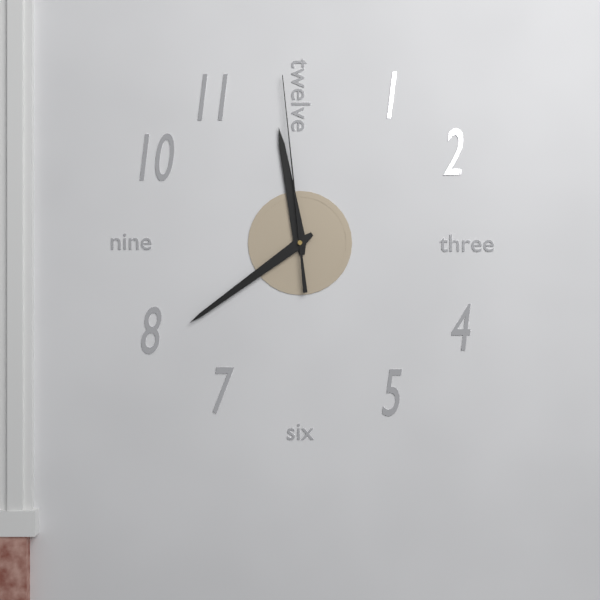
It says 11:39:59
